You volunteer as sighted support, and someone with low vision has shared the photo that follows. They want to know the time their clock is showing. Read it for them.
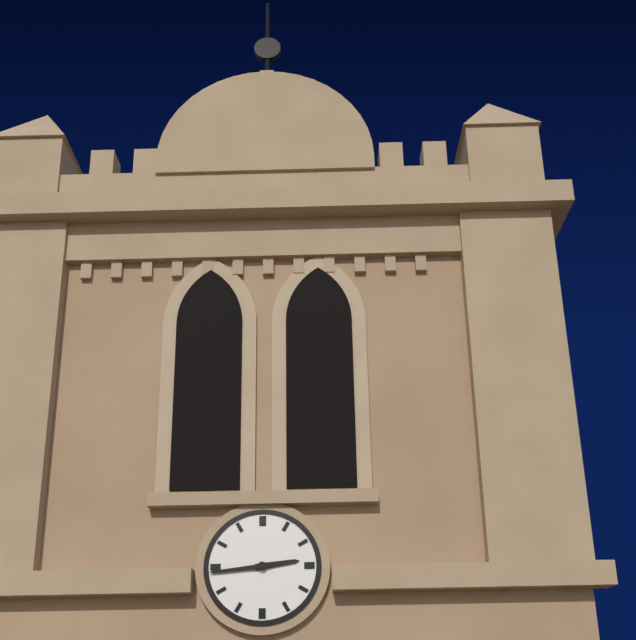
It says 2:44
